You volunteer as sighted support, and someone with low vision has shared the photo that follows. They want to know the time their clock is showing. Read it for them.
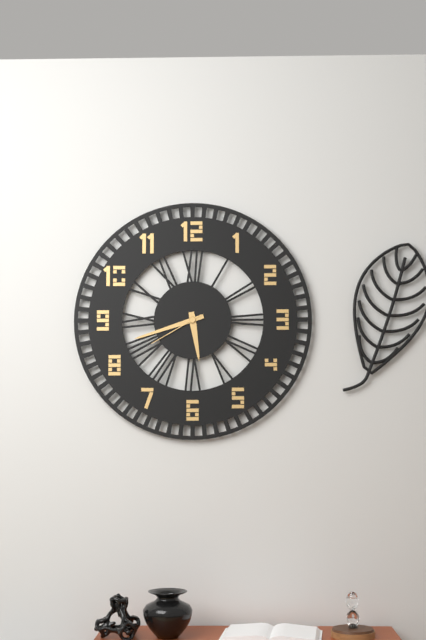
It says 5:42:40
